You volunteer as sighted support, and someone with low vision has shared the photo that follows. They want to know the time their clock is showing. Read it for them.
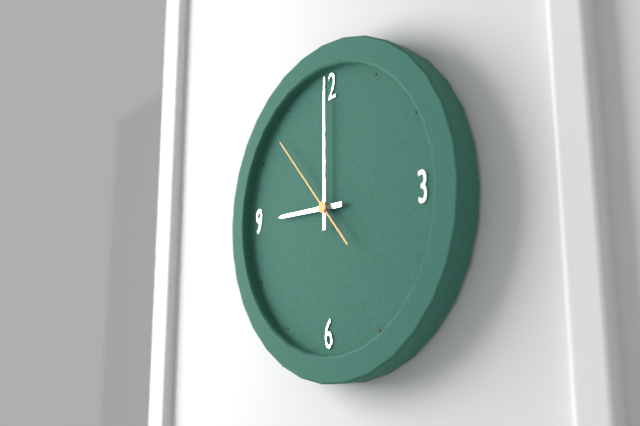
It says 9:00:53
